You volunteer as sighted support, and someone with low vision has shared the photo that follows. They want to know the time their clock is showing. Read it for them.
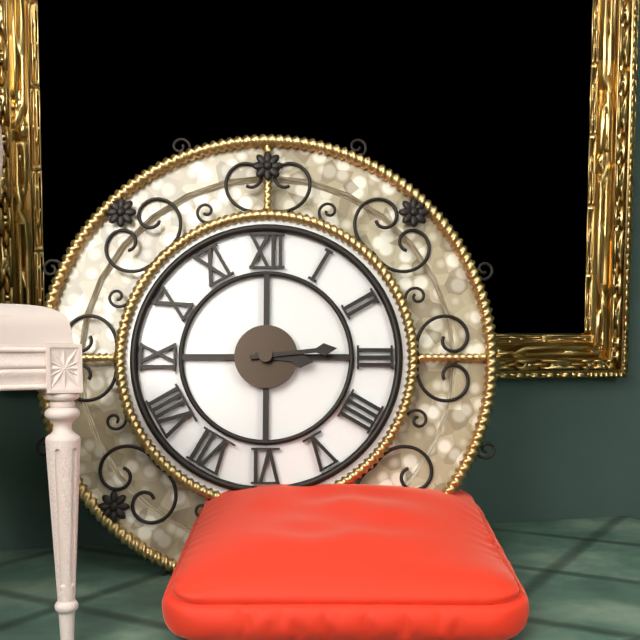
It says 3:14
